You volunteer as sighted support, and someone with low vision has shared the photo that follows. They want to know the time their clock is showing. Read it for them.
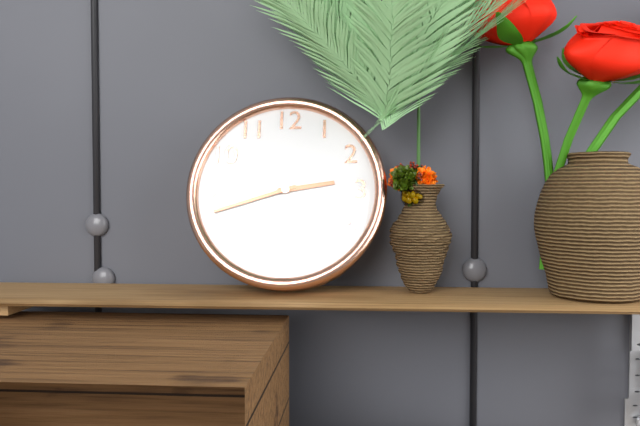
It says 2:42
